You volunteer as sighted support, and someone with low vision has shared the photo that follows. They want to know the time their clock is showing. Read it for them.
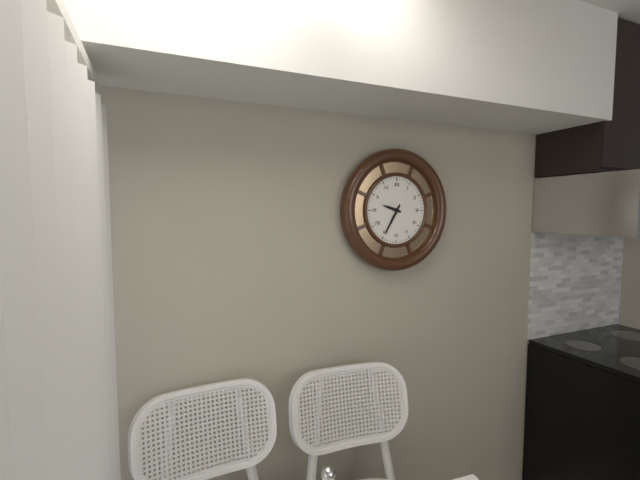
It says 9:35
